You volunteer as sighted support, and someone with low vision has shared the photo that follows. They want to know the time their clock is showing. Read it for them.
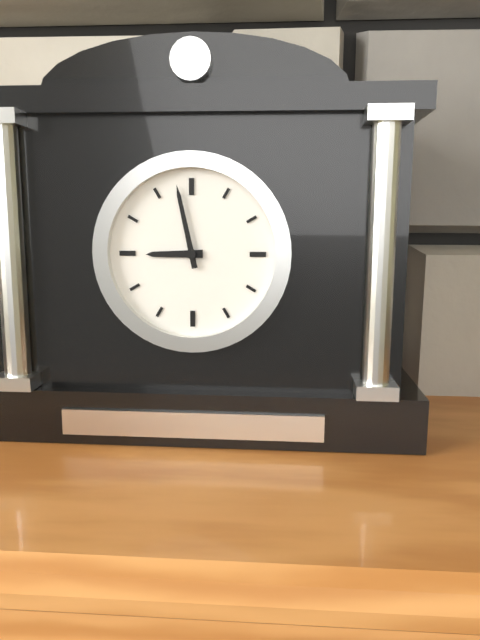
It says 8:58
